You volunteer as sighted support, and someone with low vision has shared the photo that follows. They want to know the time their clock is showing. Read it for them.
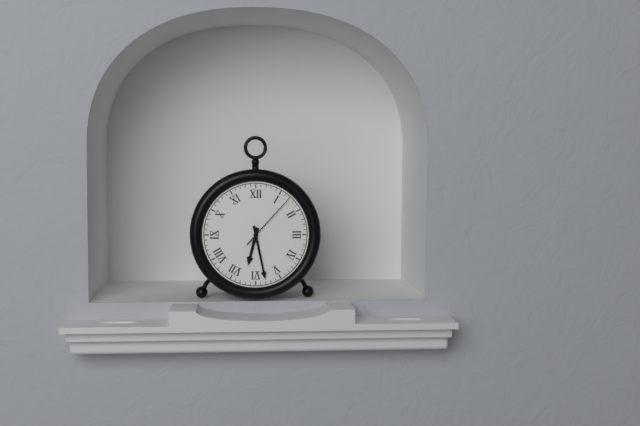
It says 6:28:07
